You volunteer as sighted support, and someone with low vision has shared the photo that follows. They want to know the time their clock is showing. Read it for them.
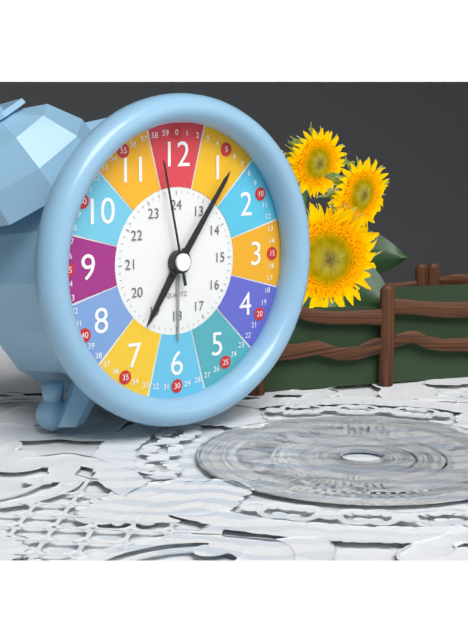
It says 7:06:58
